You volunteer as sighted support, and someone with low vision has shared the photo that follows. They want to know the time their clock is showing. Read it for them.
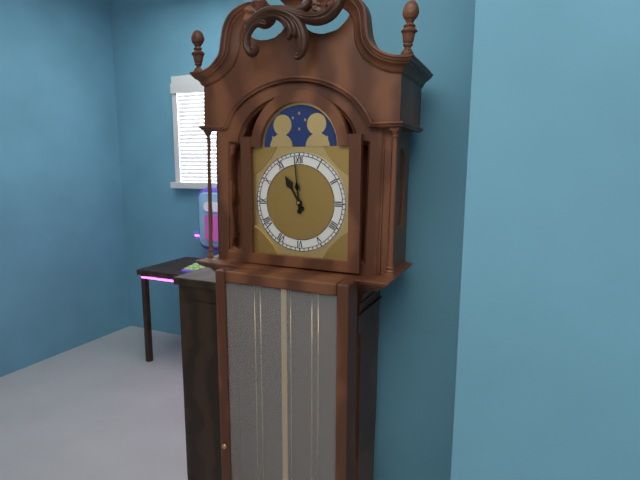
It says 10:59
